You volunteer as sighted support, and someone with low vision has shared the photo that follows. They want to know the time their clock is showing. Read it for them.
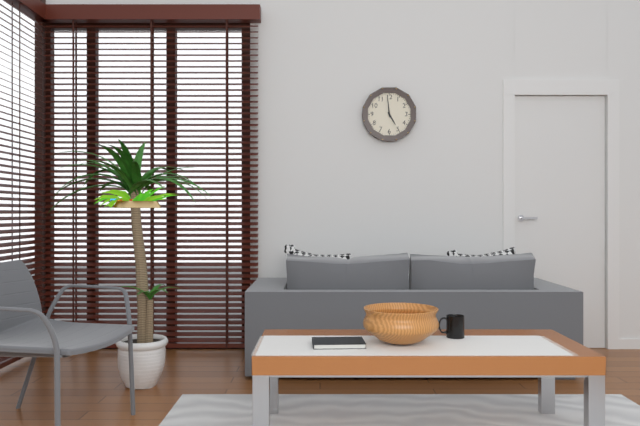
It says 4:59
